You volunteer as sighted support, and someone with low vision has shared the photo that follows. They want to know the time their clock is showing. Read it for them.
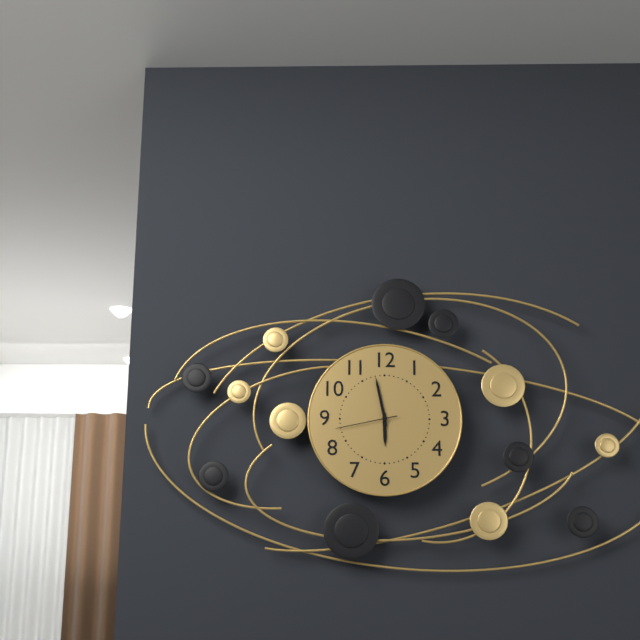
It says 5:58:43
